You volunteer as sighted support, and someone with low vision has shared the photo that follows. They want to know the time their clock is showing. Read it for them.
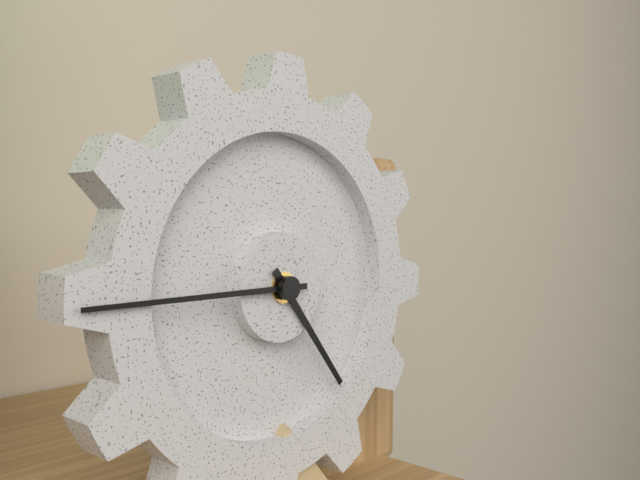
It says 4:45
